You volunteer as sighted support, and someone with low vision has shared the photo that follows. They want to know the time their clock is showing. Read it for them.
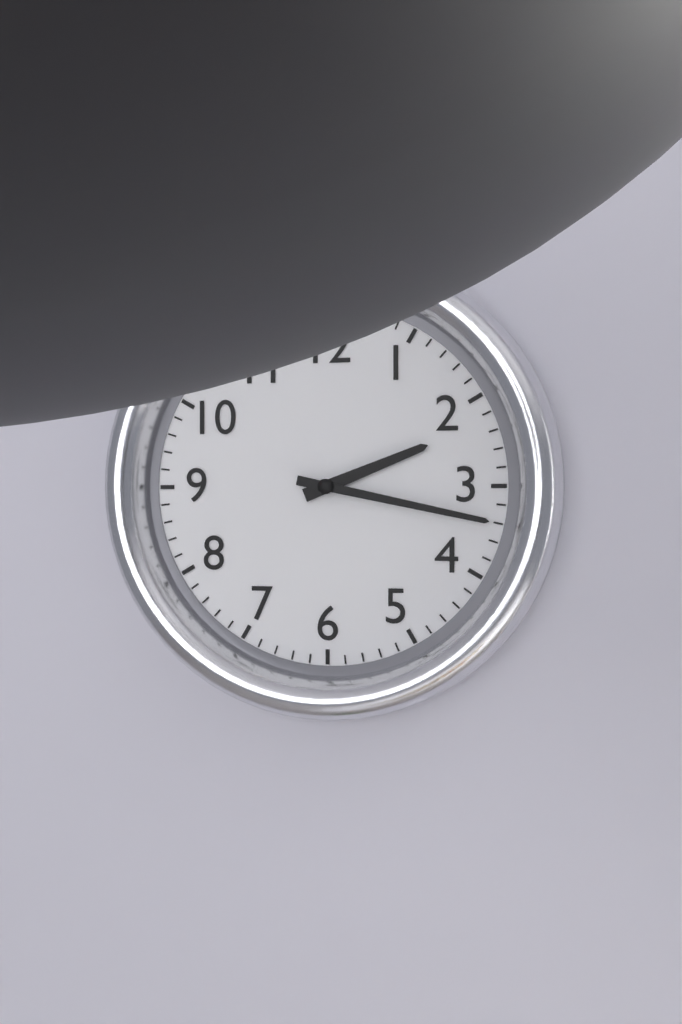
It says 2:17
